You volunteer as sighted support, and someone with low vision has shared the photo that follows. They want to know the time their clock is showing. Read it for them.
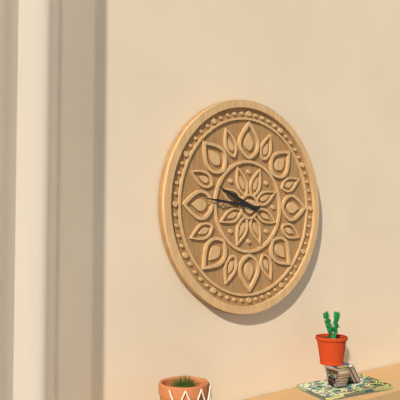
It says 9:46
